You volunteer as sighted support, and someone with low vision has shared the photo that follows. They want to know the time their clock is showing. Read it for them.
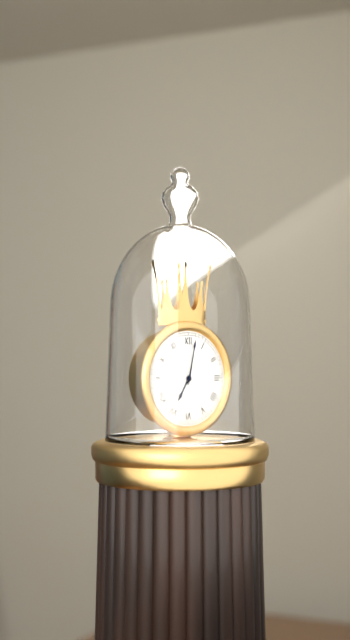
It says 7:02
